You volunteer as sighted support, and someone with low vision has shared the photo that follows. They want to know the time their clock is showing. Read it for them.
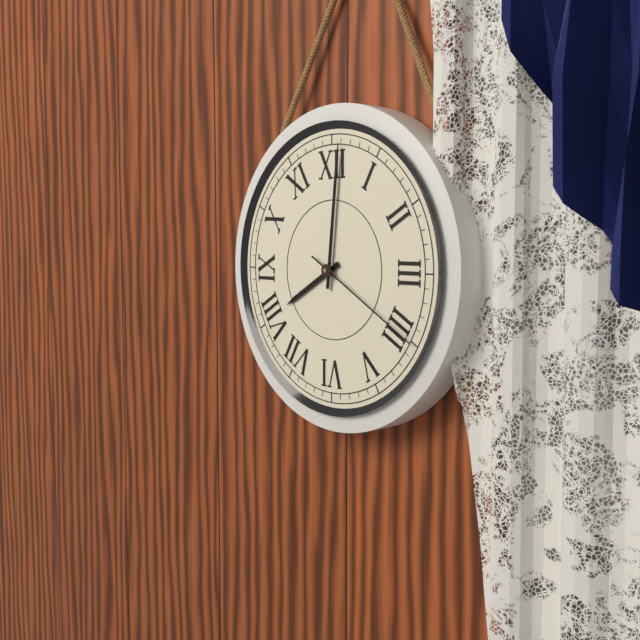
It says 8:01:20
